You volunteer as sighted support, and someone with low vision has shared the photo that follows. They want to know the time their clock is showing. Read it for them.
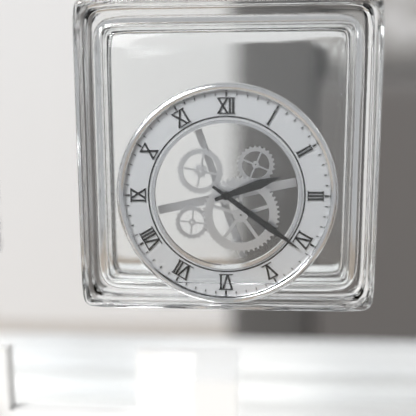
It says 2:21
